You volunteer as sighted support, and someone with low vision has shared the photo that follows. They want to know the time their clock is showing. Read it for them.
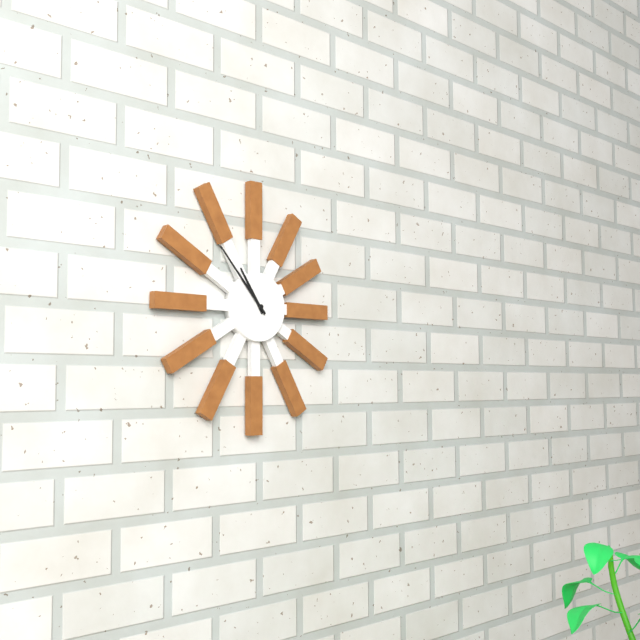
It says 10:53
